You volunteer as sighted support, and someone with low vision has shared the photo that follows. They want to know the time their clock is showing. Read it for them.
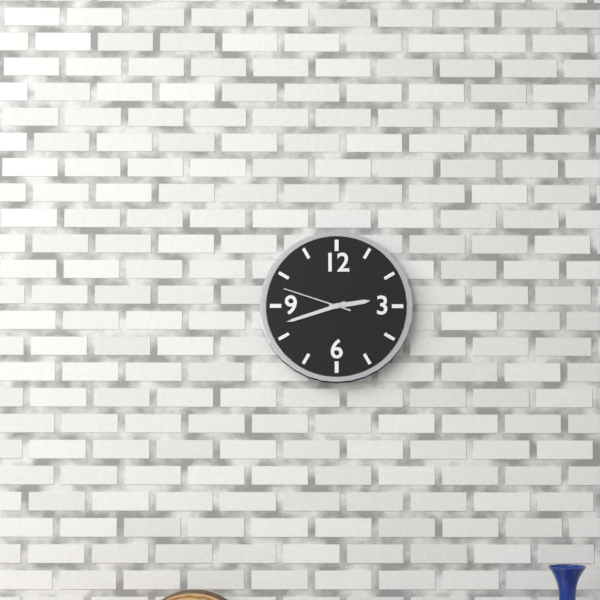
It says 2:42:48
